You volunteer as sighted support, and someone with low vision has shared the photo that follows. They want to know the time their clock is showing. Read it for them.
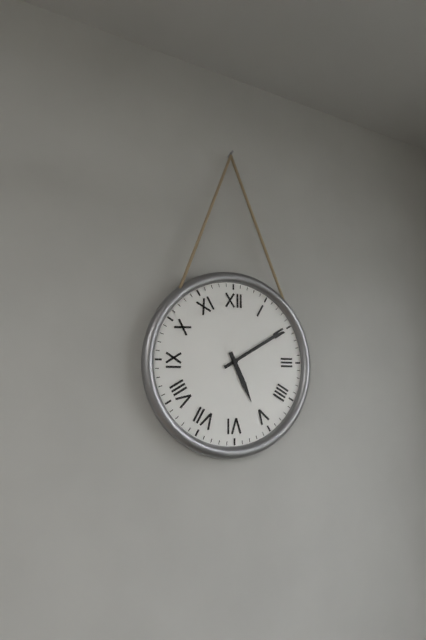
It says 5:10
